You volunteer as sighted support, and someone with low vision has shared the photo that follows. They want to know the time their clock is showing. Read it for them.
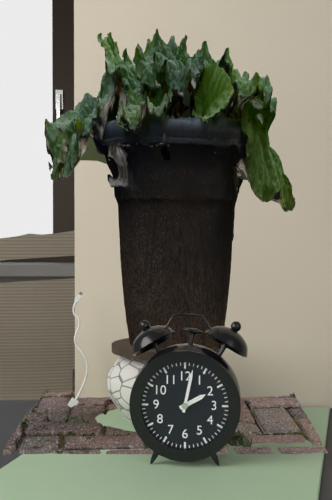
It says 2:02
